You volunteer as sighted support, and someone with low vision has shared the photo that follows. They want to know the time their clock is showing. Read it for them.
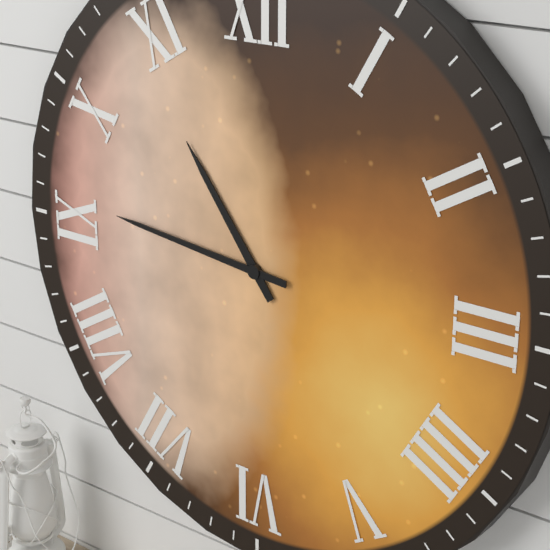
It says 10:46
